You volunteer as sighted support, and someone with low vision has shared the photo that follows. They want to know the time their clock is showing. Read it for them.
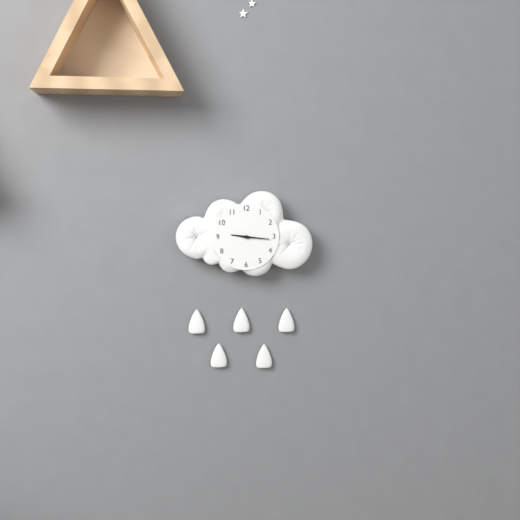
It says 9:16
